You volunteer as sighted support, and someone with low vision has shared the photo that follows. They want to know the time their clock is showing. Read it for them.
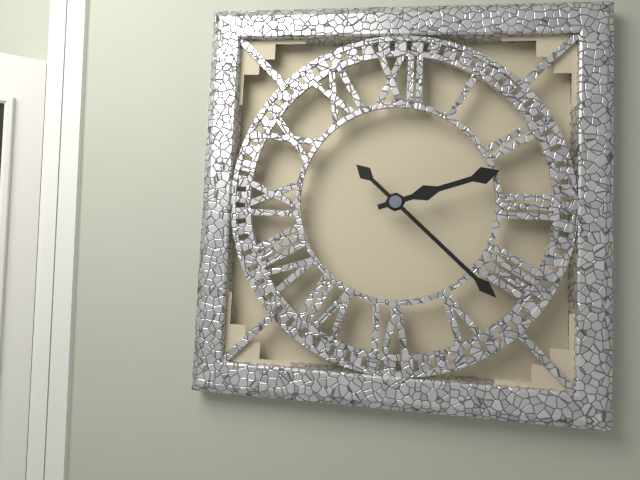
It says 2:22
